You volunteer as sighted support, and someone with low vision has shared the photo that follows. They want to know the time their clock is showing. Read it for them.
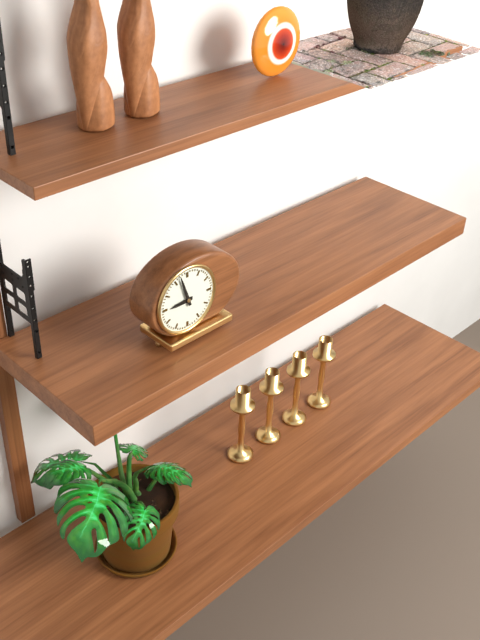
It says 8:57
